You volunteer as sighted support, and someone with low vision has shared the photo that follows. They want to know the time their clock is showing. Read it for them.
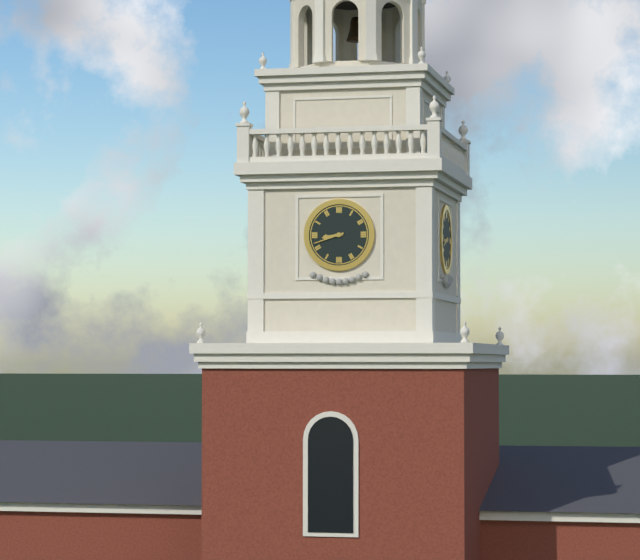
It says 8:42
